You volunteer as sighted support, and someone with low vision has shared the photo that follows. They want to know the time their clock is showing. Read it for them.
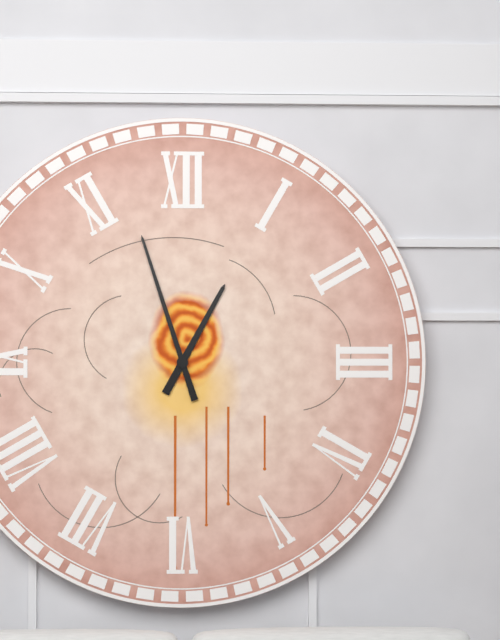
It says 12:57
